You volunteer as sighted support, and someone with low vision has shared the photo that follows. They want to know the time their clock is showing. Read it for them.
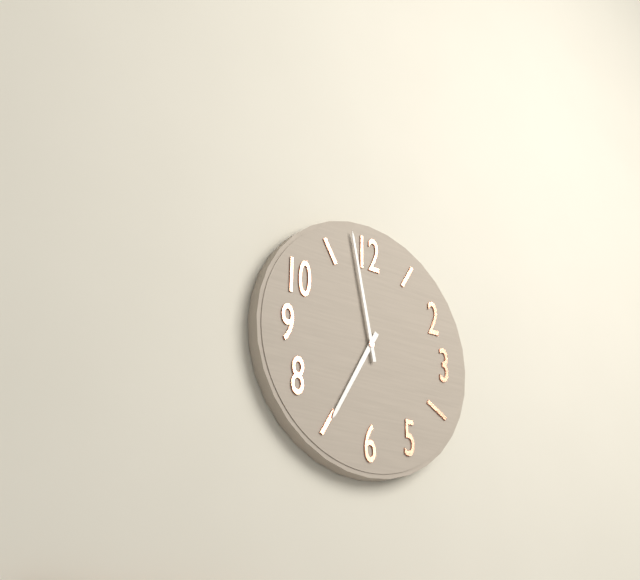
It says 6:58
